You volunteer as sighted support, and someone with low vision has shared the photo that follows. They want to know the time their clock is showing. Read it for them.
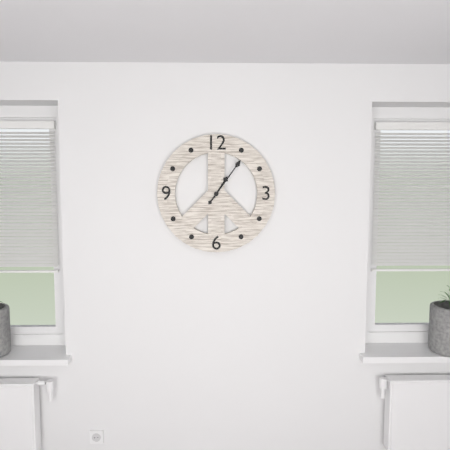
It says 1:06
